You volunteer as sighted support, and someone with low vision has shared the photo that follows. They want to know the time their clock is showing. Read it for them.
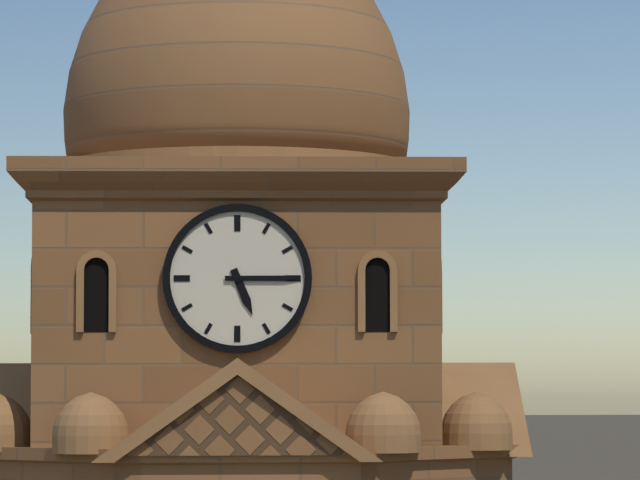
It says 5:15
